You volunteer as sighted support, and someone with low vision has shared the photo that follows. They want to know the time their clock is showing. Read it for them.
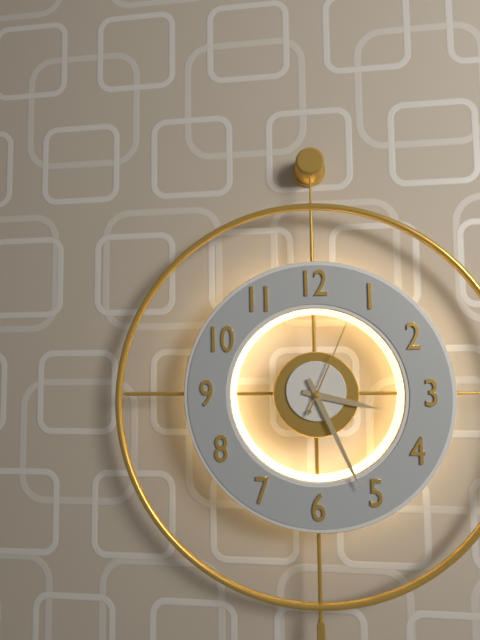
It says 3:26:04
